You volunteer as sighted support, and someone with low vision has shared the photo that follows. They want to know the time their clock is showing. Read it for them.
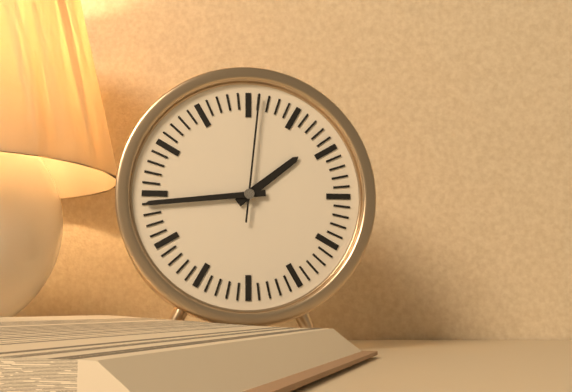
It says 1:44:01
